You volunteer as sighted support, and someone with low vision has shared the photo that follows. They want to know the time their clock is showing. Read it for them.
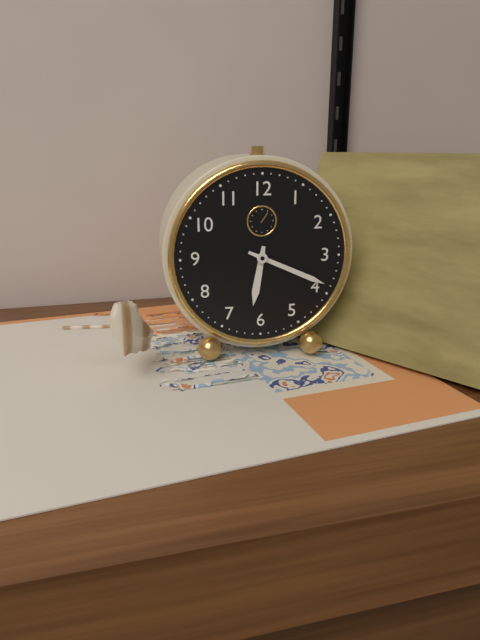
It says 6:19
